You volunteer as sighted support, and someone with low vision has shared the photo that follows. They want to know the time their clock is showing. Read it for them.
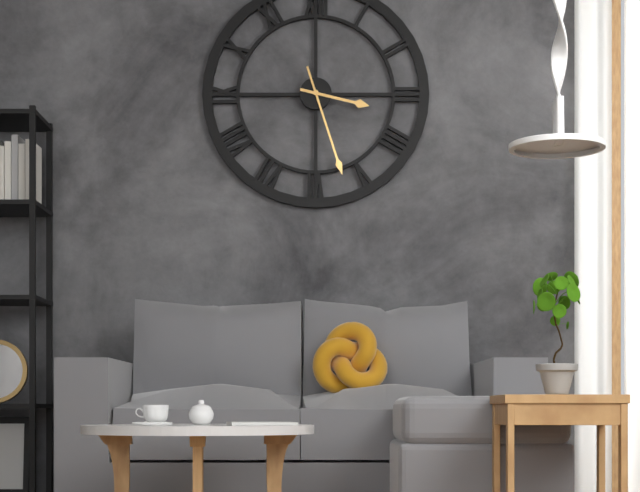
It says 3:27
